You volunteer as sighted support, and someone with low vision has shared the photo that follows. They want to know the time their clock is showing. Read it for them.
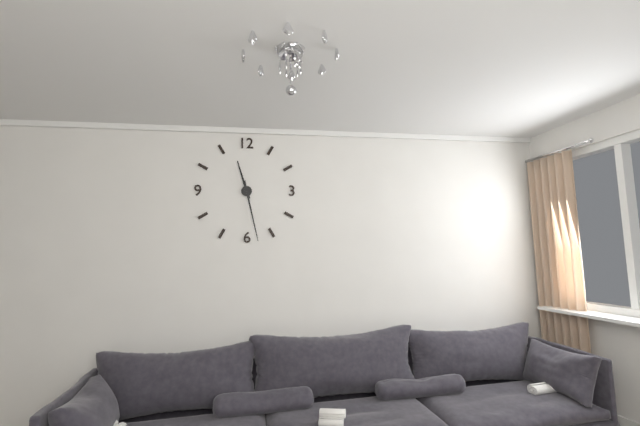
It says 11:28
